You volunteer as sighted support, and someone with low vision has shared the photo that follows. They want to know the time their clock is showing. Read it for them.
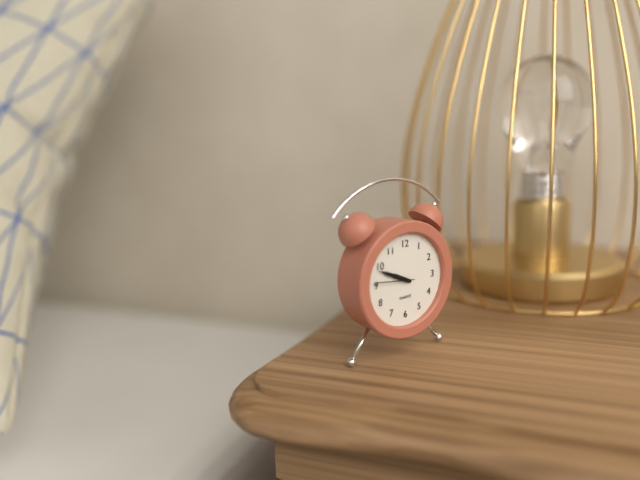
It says 9:49
